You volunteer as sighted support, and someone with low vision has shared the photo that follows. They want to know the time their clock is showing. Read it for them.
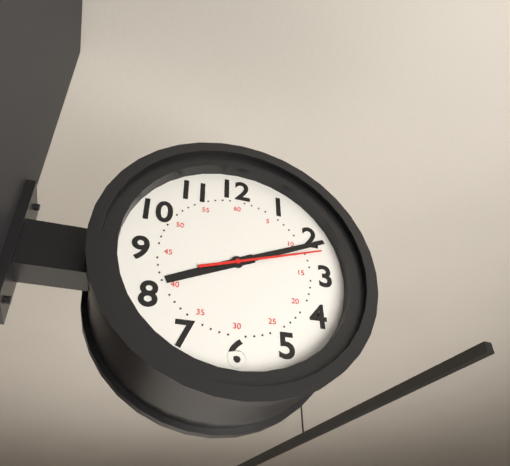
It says 8:11:12
